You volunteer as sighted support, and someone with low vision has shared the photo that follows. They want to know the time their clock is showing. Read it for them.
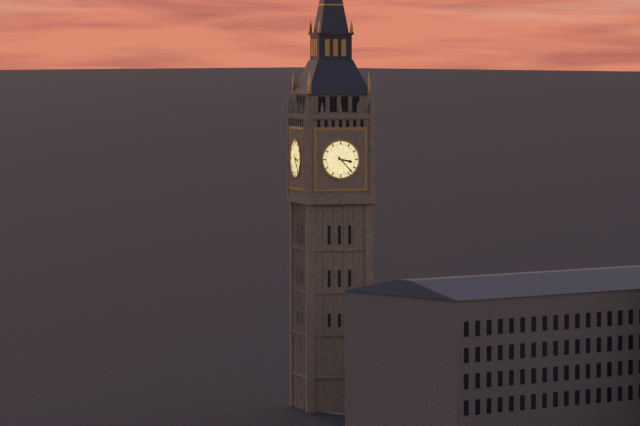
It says 3:23
